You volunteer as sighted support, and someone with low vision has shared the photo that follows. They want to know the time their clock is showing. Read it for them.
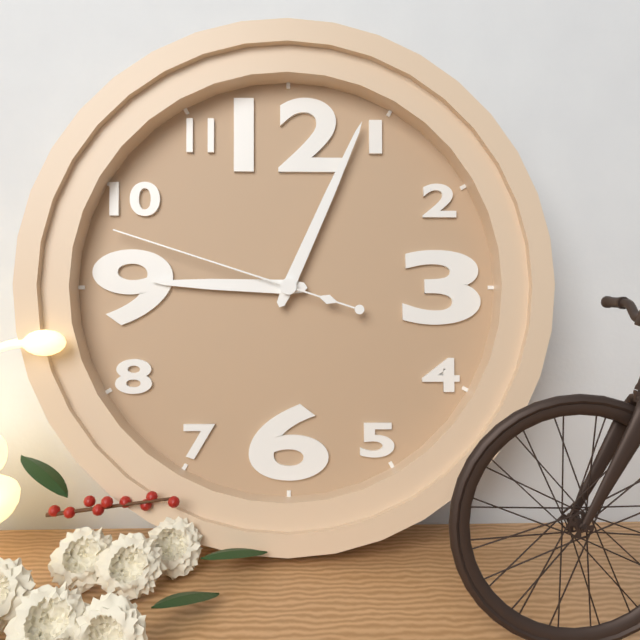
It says 9:04:48
